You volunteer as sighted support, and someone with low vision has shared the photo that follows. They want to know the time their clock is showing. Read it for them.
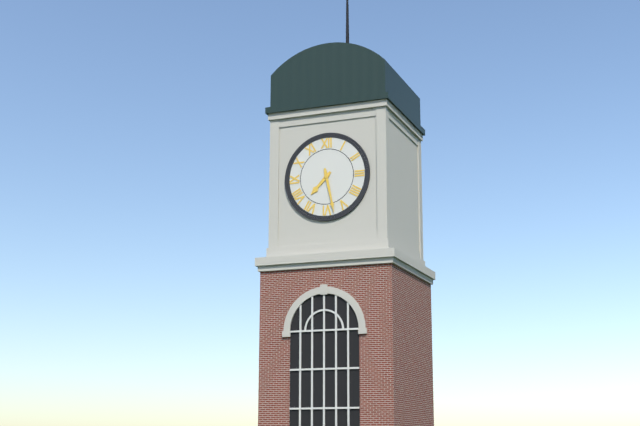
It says 7:28
